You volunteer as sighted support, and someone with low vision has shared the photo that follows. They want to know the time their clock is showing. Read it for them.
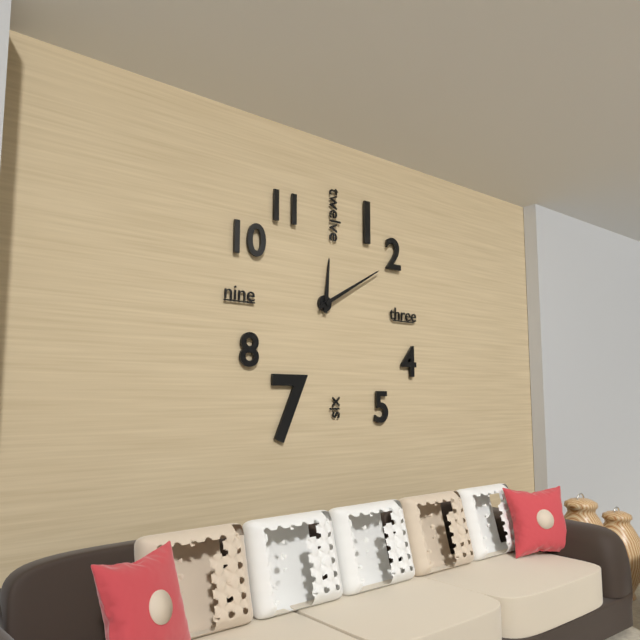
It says 12:10
